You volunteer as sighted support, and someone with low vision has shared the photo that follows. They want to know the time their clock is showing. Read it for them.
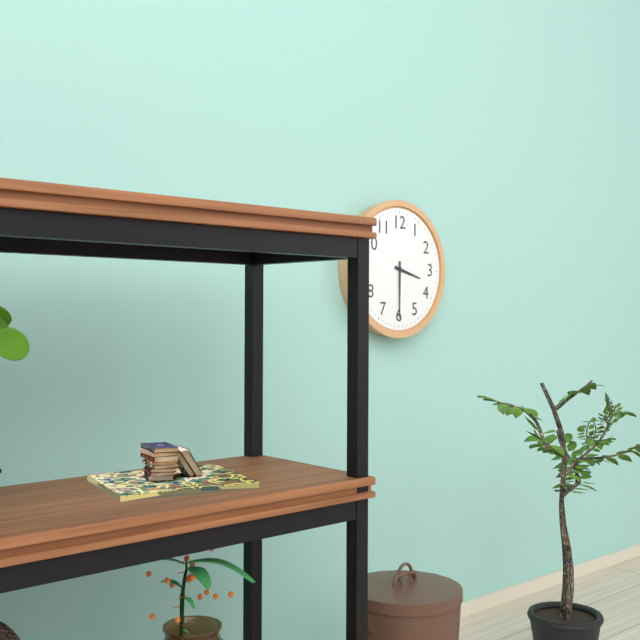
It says 3:30
